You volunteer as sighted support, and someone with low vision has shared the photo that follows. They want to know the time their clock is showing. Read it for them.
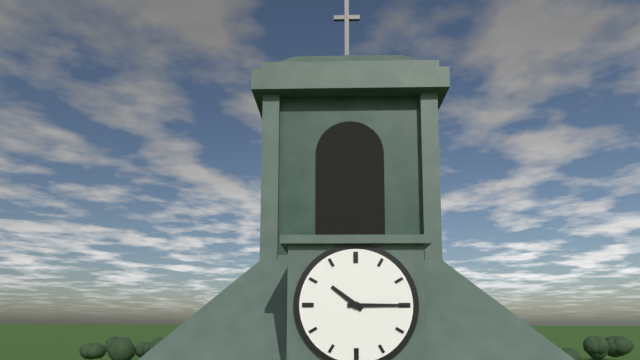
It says 10:15
